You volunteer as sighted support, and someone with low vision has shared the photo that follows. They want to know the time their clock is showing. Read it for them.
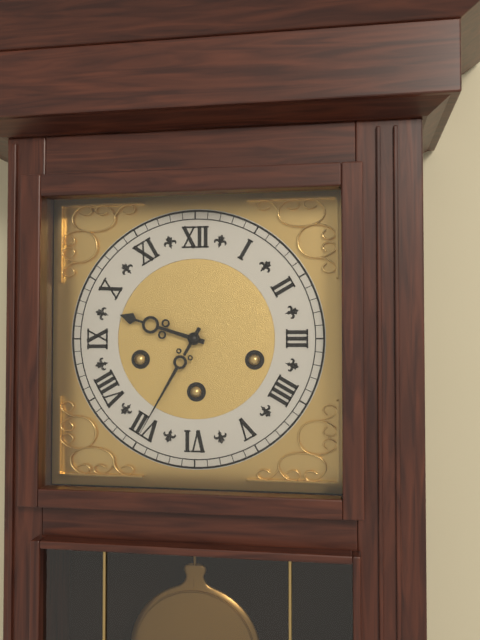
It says 9:35
